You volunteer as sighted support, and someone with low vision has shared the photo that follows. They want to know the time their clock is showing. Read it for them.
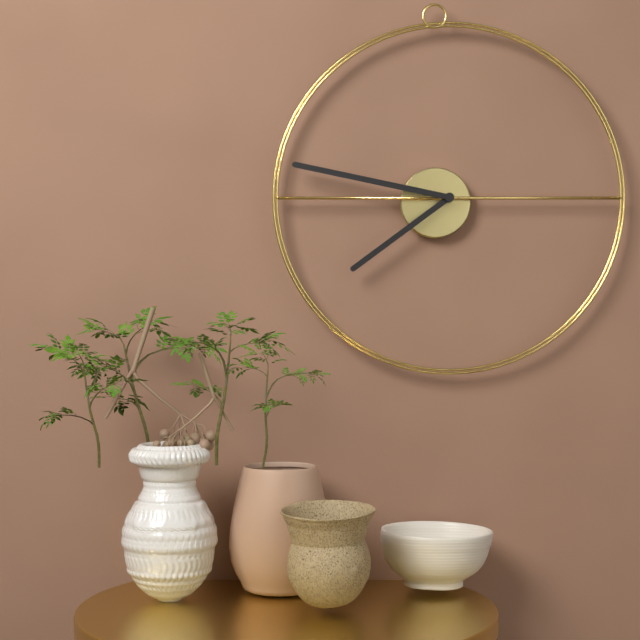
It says 7:47
